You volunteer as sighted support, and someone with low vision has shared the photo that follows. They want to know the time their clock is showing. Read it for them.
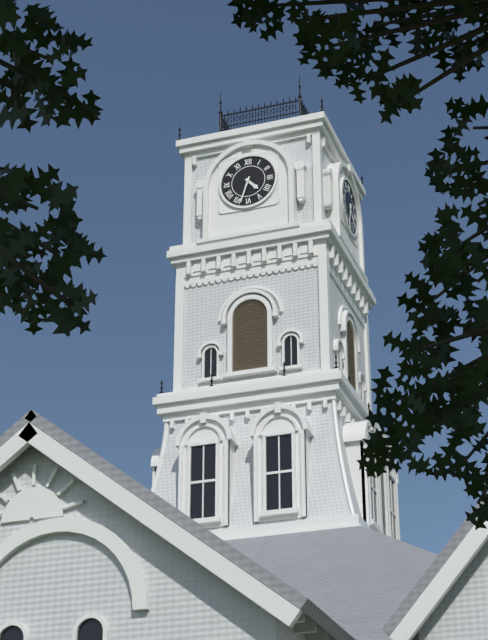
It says 4:33
